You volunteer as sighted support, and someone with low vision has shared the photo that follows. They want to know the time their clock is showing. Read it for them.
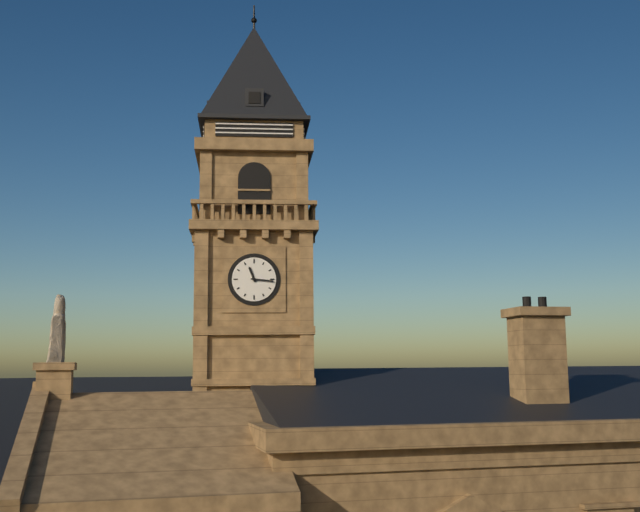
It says 11:16
